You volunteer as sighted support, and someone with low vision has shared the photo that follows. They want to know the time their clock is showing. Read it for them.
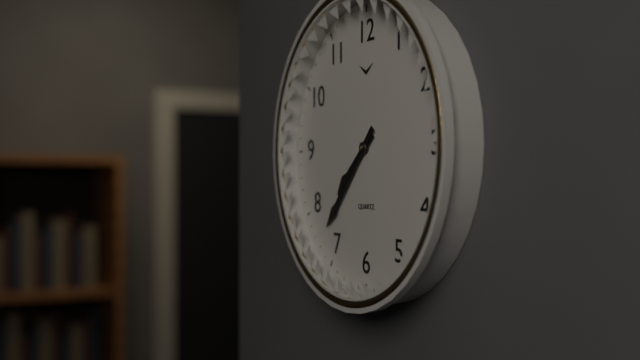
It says 7:37
